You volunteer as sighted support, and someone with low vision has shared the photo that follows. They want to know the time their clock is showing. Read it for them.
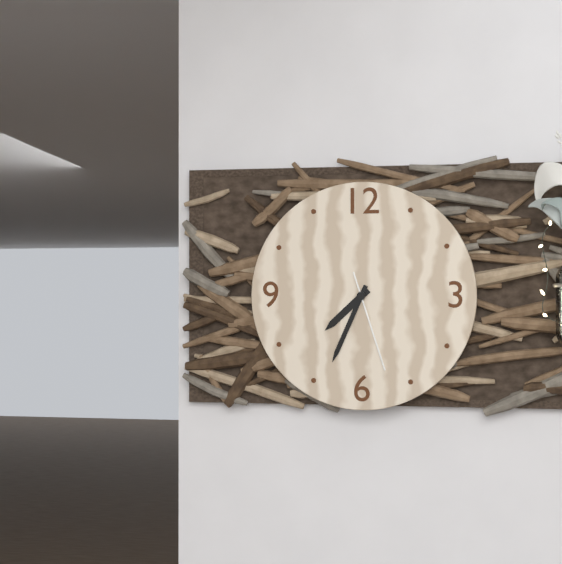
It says 7:34:27
